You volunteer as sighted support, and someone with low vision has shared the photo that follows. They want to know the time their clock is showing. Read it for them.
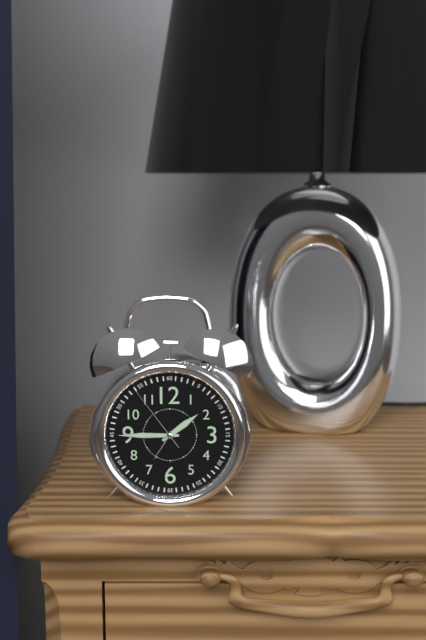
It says 1:45:54
